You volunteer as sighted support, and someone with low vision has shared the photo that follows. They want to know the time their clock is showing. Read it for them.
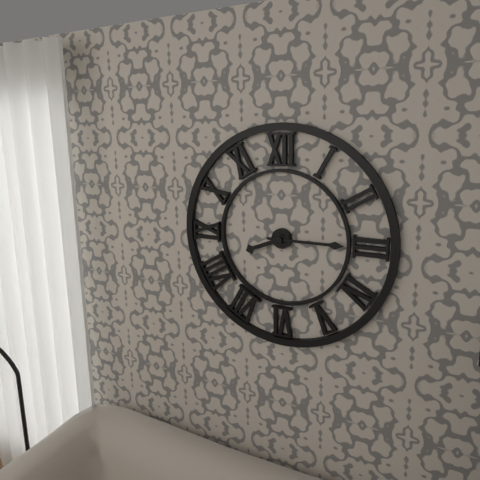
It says 8:15
